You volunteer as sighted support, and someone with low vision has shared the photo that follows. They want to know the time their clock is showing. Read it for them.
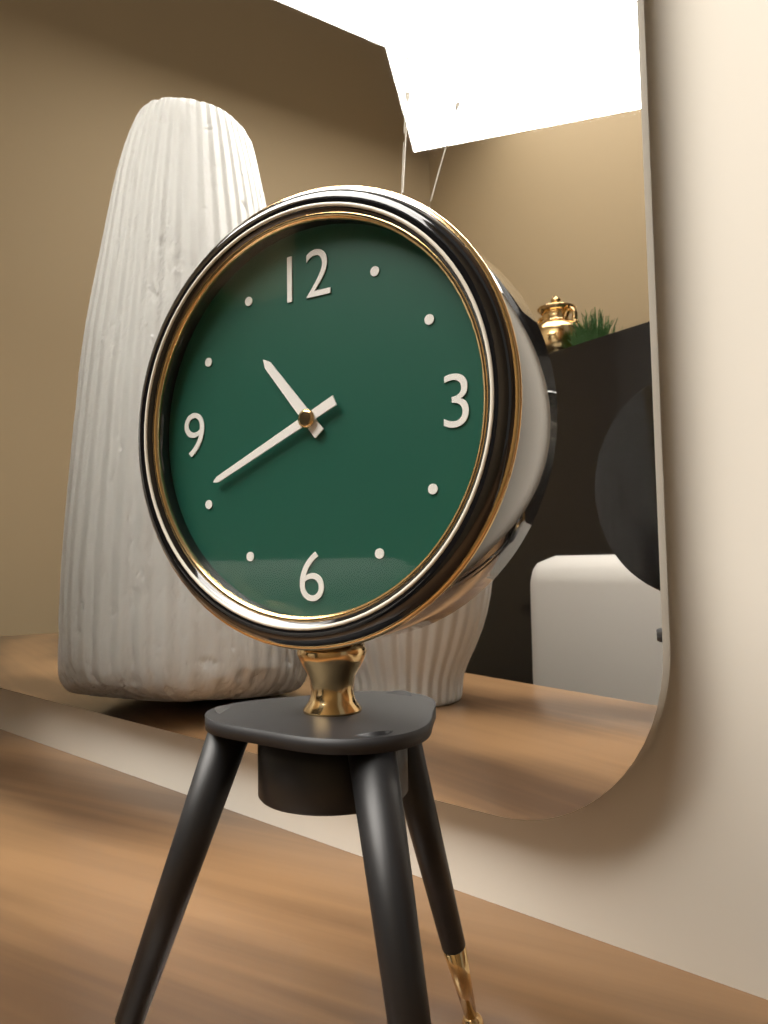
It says 10:41
